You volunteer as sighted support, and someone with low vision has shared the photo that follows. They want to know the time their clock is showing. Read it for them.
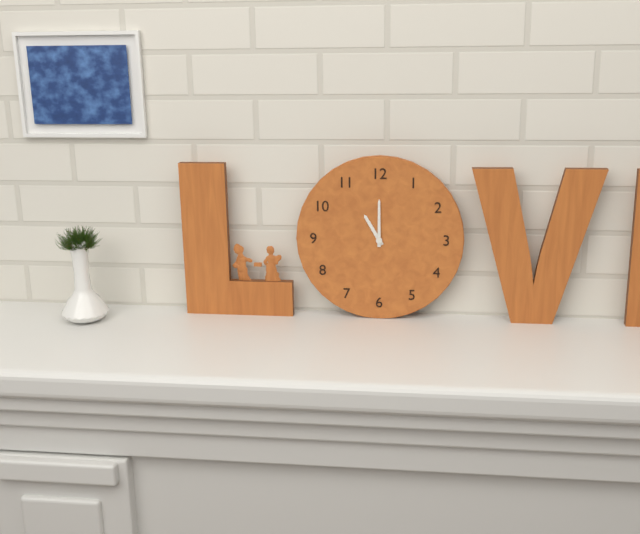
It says 11:00
